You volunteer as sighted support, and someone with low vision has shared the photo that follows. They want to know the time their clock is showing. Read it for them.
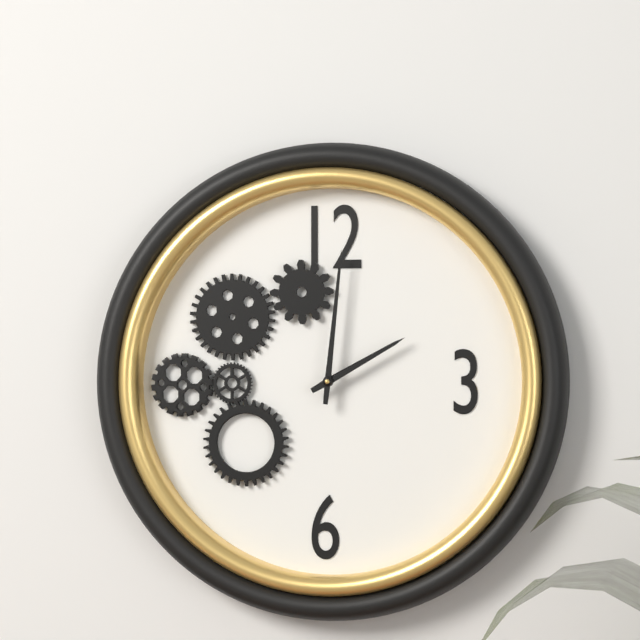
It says 2:01
